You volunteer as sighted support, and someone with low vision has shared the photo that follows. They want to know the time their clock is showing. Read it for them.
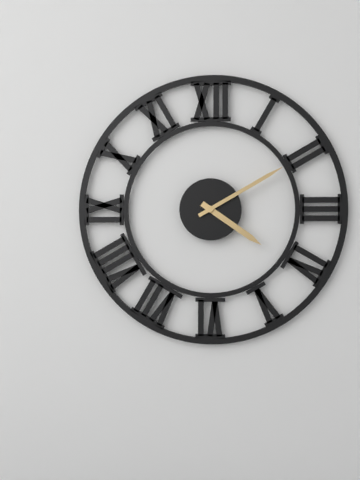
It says 4:10
